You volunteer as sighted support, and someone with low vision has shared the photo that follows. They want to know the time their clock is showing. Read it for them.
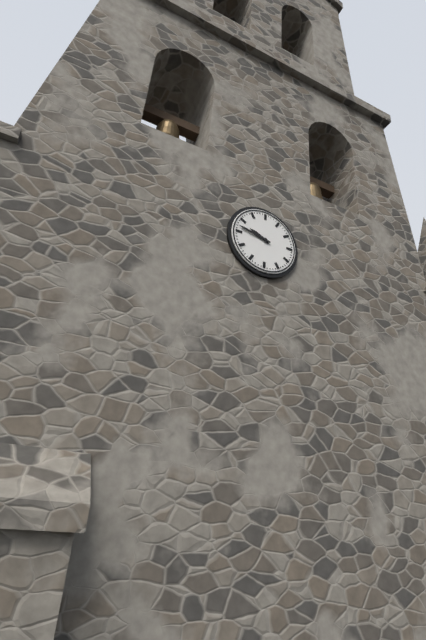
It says 9:47
